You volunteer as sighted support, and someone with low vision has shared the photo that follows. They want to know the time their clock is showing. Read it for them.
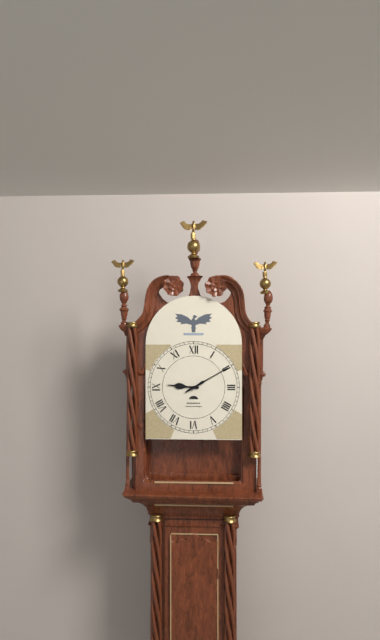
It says 9:10
